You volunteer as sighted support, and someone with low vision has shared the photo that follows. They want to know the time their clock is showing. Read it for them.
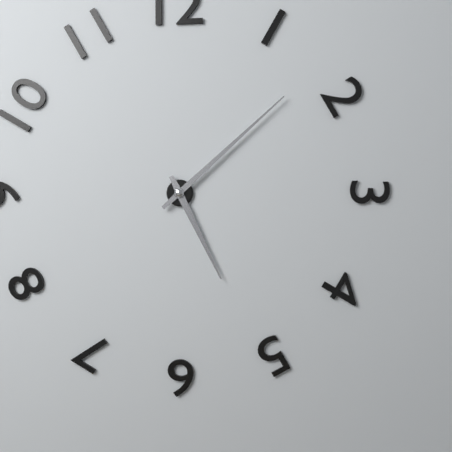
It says 5:08
